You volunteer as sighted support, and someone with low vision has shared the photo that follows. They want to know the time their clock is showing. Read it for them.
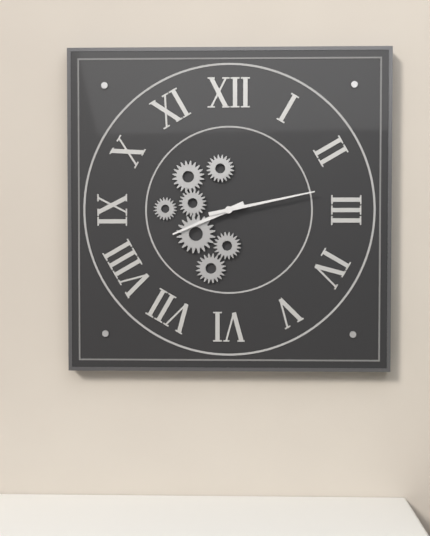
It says 8:13
